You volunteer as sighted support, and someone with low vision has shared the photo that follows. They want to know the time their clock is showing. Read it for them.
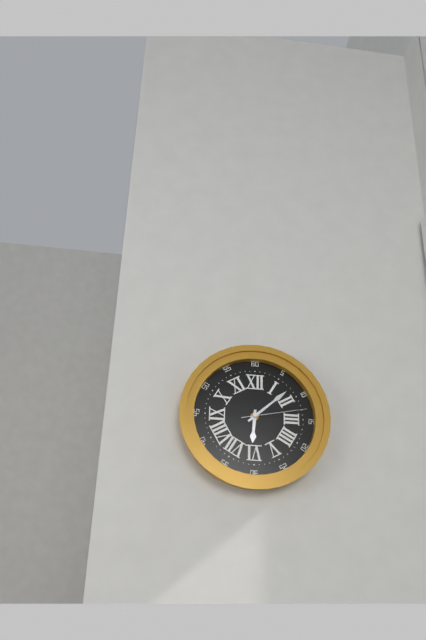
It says 6:08:13
